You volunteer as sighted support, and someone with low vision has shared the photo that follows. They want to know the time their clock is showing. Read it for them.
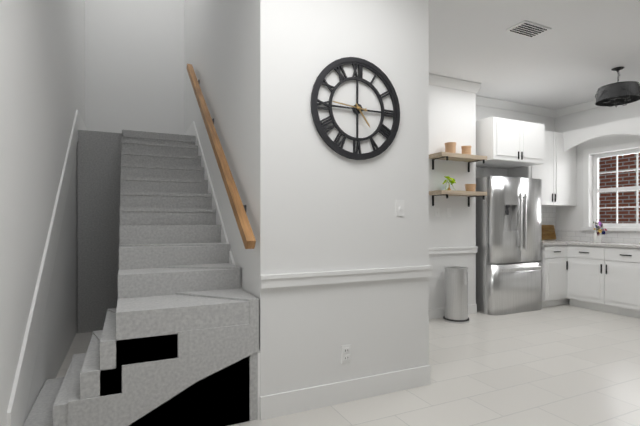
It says 4:46
